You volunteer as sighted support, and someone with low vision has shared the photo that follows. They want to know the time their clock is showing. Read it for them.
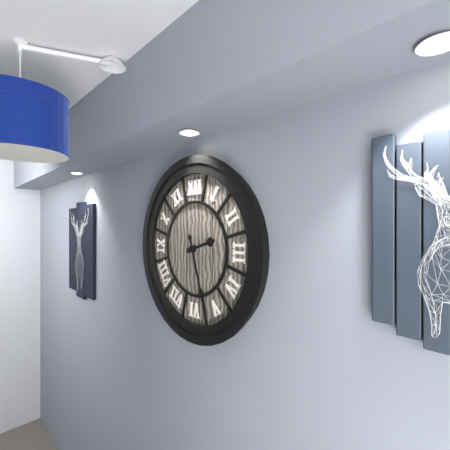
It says 2:27
